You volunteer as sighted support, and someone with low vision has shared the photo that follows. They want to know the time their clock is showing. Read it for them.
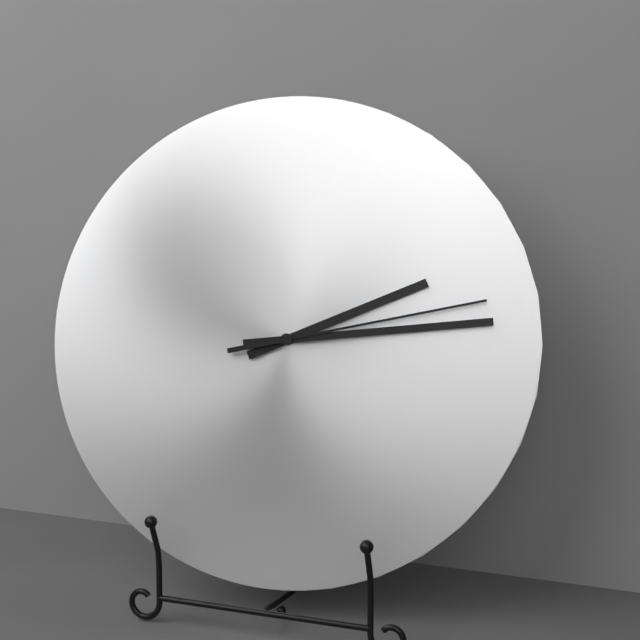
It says 2:14:13
